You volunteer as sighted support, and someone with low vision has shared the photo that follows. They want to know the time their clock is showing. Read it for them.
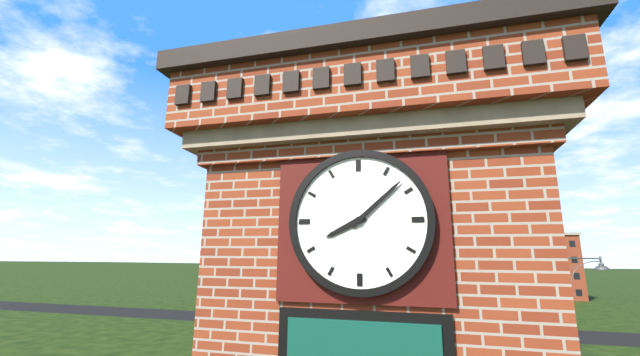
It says 8:08
